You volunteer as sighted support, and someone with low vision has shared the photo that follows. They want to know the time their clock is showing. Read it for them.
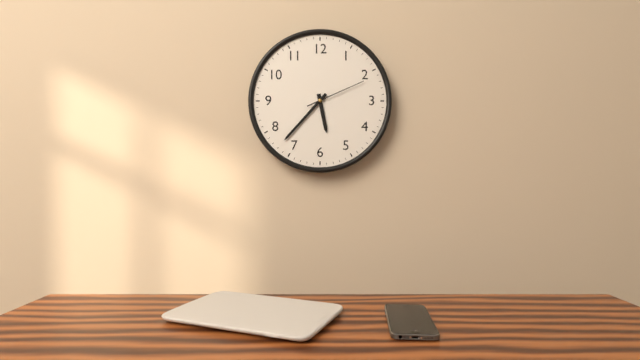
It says 5:37:11
